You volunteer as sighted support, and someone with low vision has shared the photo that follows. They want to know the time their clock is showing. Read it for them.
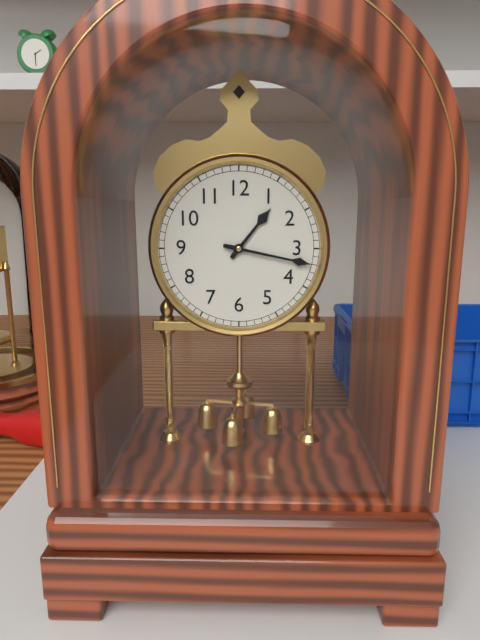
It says 1:17
